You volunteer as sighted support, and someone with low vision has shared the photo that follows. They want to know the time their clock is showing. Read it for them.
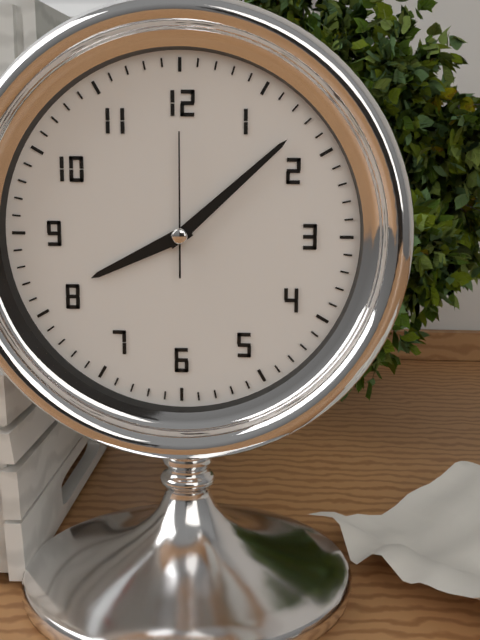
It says 8:08:00
